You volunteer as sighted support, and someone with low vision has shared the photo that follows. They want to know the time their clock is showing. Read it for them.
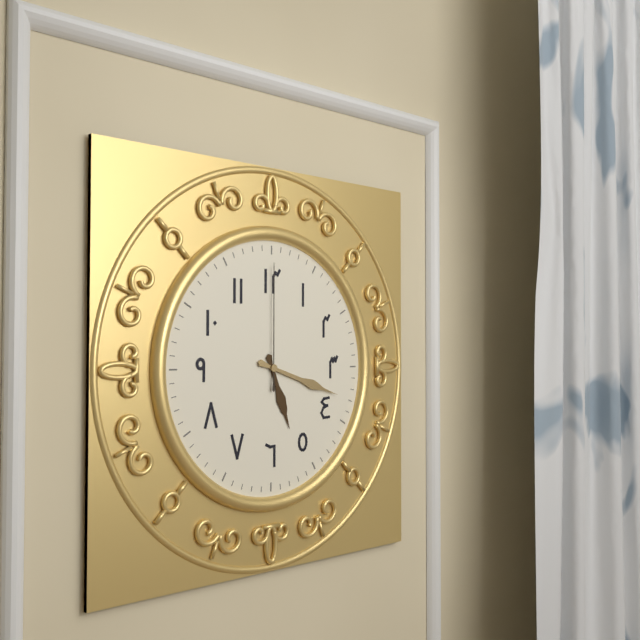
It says 5:18:00
